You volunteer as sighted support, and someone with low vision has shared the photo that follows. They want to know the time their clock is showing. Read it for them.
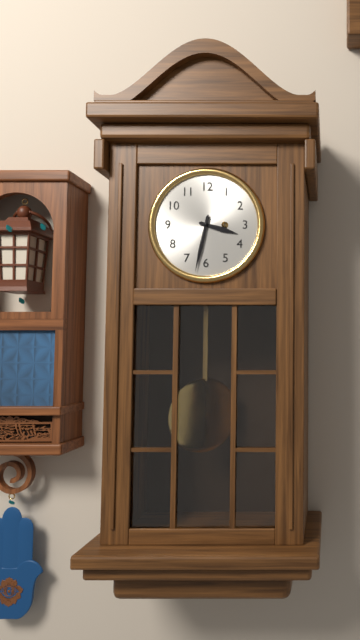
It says 3:32
